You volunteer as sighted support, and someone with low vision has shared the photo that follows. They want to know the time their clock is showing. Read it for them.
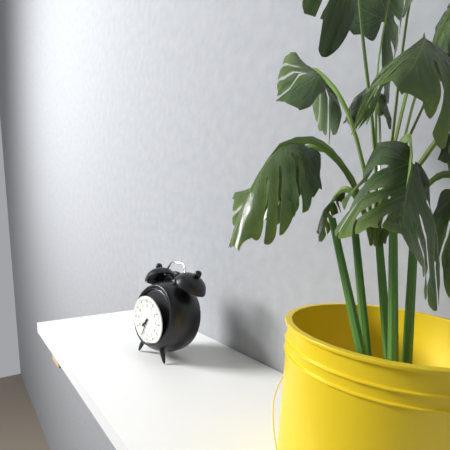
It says 7:34
